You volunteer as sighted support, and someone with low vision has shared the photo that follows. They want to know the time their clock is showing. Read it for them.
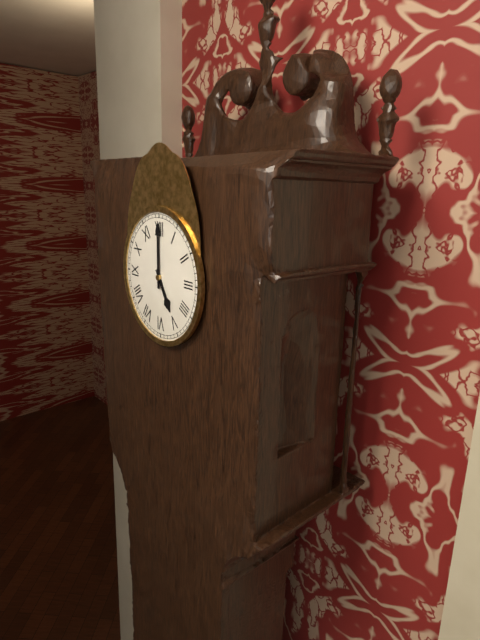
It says 5:00
